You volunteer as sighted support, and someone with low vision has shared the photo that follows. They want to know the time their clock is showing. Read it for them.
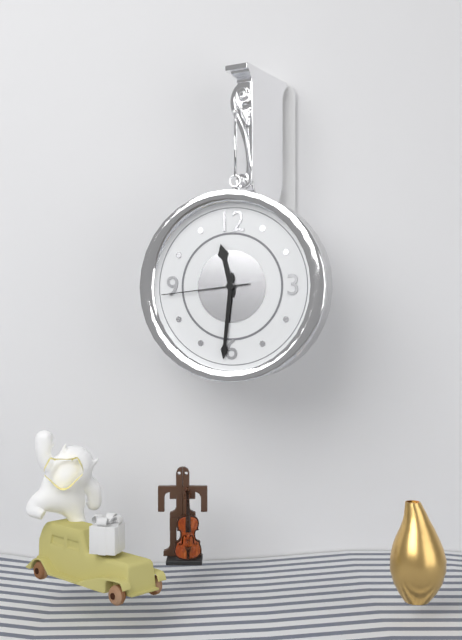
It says 11:31:44
